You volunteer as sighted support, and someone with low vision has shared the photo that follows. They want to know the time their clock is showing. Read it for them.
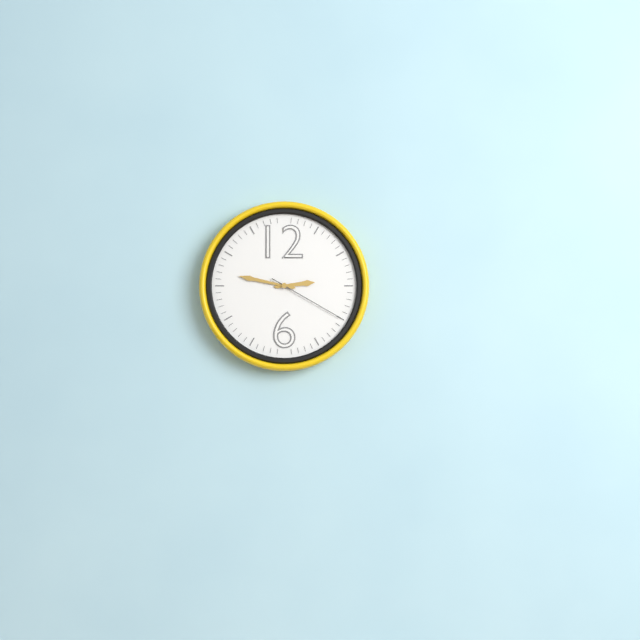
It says 2:47:20
